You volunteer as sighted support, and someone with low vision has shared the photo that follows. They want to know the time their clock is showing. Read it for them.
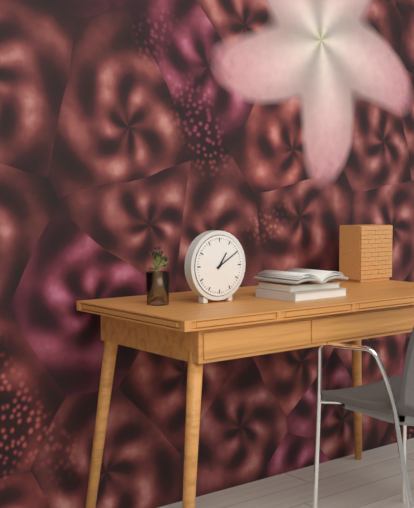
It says 1:10
